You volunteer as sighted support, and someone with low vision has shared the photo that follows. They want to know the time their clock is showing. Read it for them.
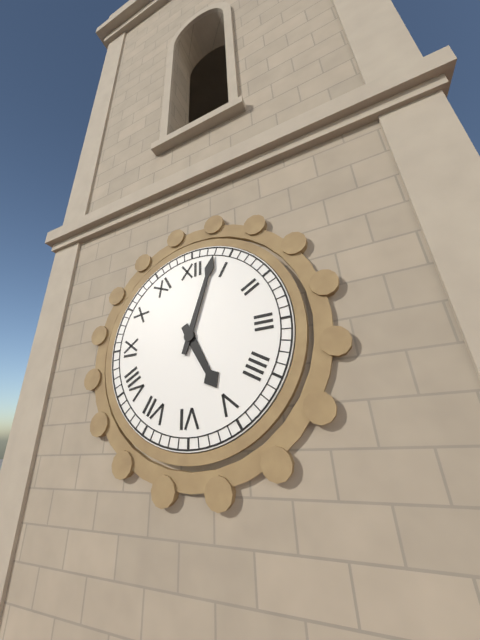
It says 5:03
